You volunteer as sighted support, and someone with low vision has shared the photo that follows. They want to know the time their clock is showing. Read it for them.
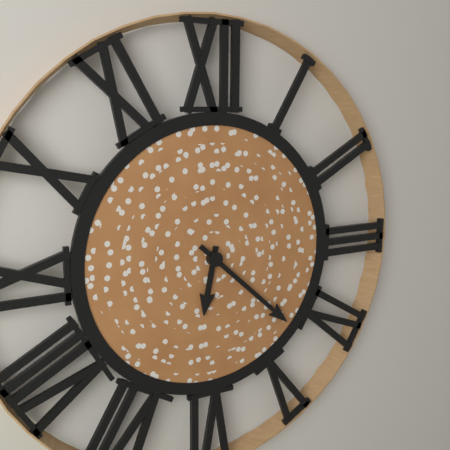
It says 6:22
